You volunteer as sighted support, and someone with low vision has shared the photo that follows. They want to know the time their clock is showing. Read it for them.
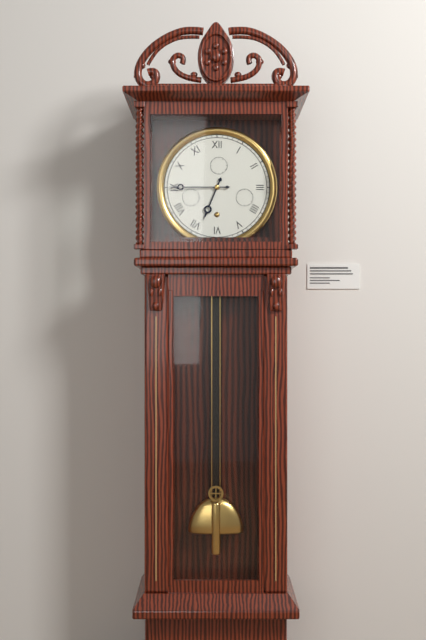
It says 6:45
